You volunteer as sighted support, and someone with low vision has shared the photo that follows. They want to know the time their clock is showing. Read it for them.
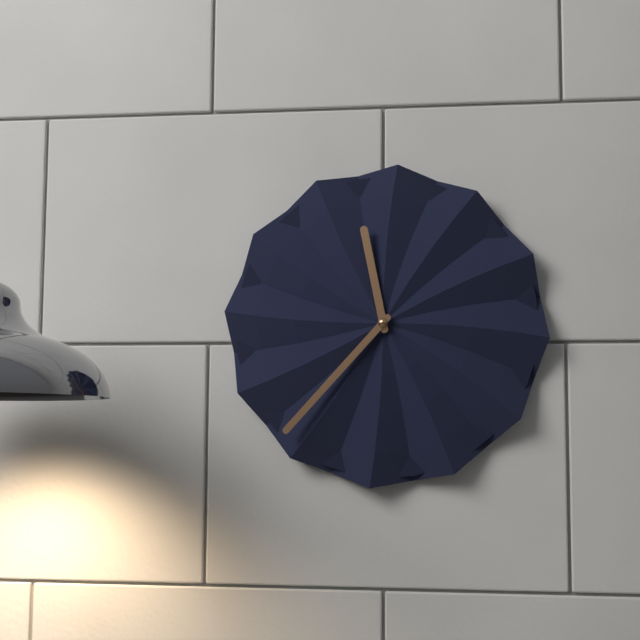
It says 11:37
